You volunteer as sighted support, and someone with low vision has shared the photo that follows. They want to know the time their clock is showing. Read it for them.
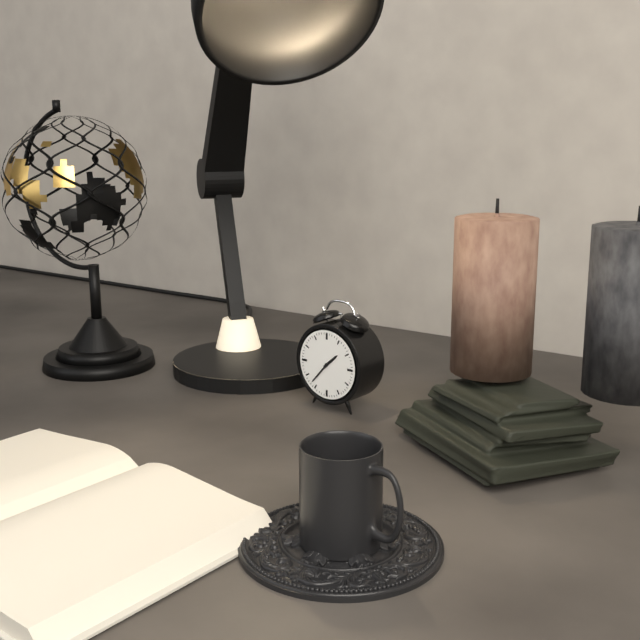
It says 1:37
